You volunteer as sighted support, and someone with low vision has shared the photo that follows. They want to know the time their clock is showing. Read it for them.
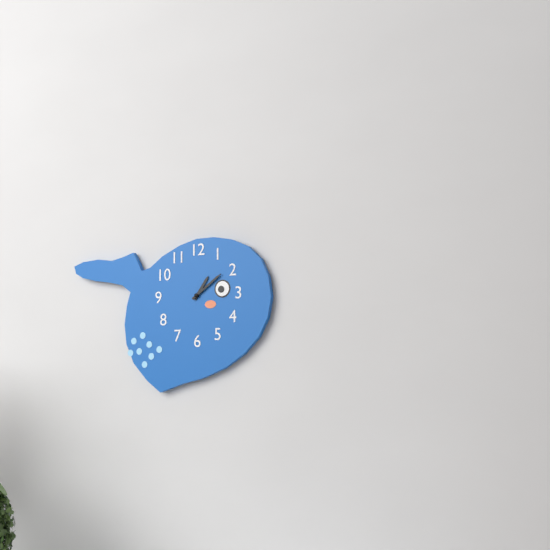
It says 1:09
